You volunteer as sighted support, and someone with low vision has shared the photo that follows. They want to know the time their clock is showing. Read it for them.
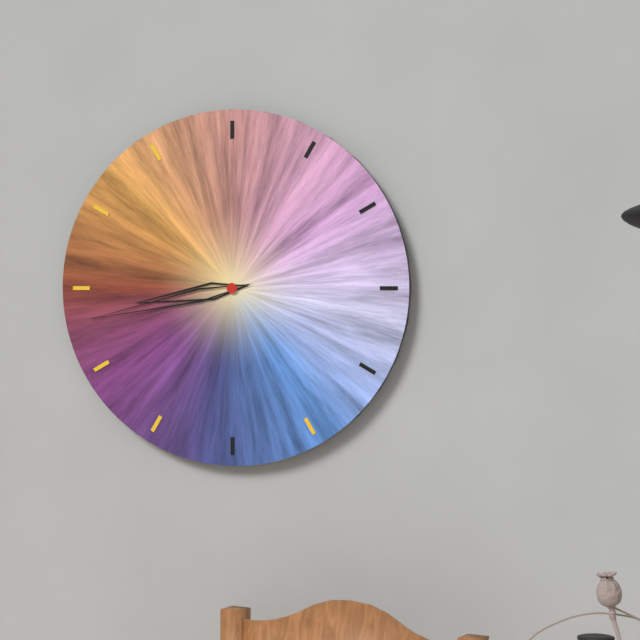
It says 8:43
